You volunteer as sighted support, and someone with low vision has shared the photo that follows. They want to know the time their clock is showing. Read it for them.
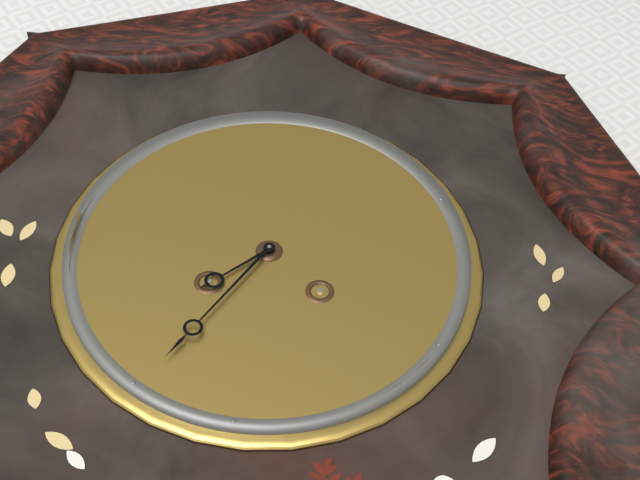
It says 7:35
